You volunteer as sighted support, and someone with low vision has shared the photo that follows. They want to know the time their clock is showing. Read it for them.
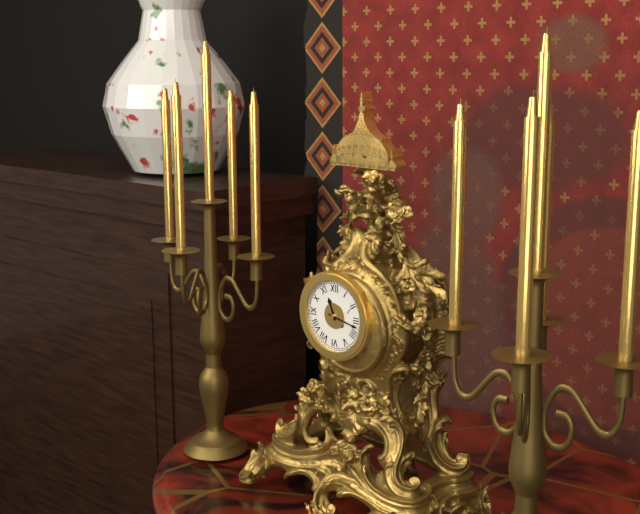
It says 11:17
